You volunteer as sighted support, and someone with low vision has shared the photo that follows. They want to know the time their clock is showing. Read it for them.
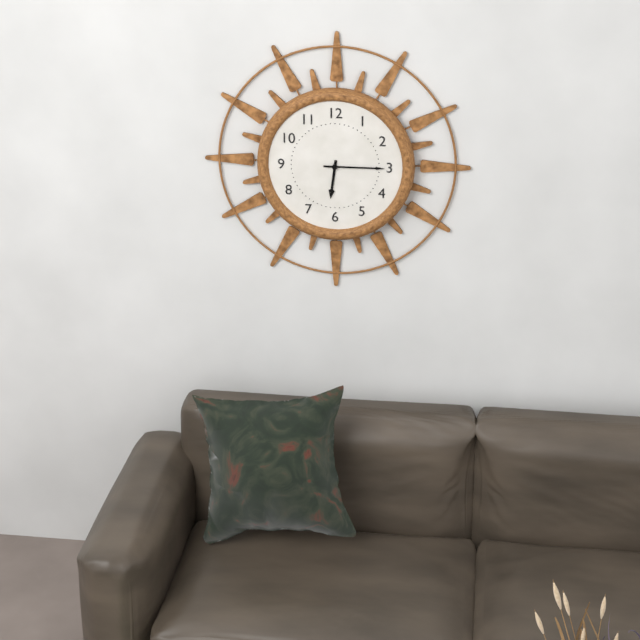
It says 6:15
